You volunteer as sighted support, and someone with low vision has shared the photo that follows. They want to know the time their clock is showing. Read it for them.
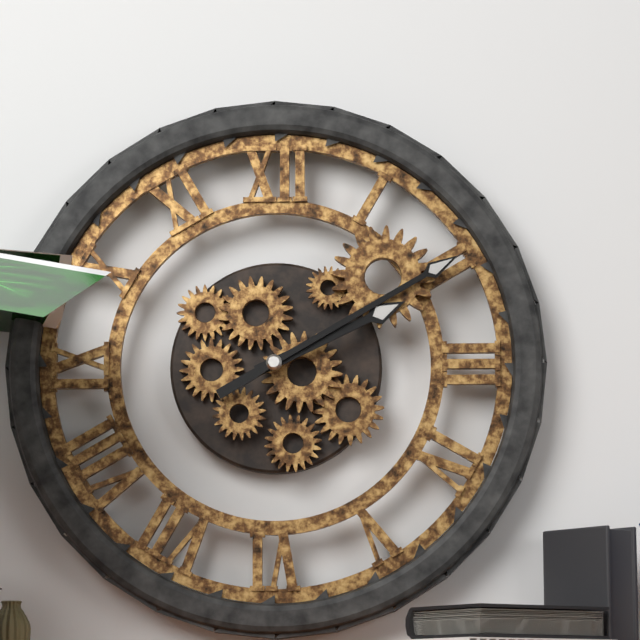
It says 2:10
